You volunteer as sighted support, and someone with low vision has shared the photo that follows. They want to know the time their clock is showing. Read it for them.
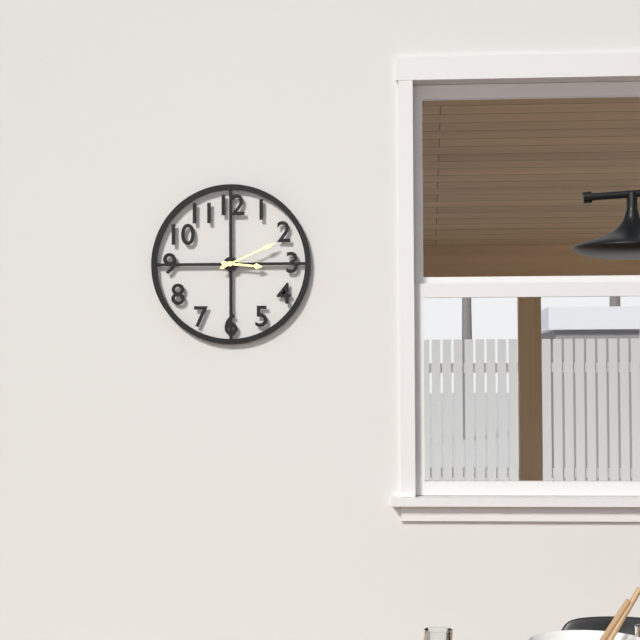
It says 3:11
